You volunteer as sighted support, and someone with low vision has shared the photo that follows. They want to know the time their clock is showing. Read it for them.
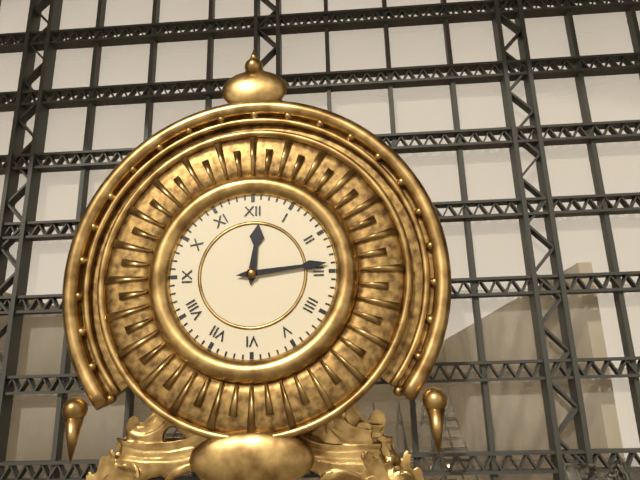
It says 12:14
